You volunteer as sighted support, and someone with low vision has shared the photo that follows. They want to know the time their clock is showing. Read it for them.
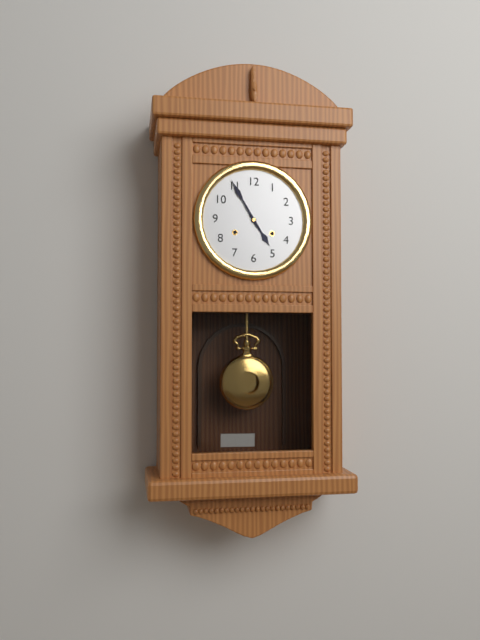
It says 4:55
